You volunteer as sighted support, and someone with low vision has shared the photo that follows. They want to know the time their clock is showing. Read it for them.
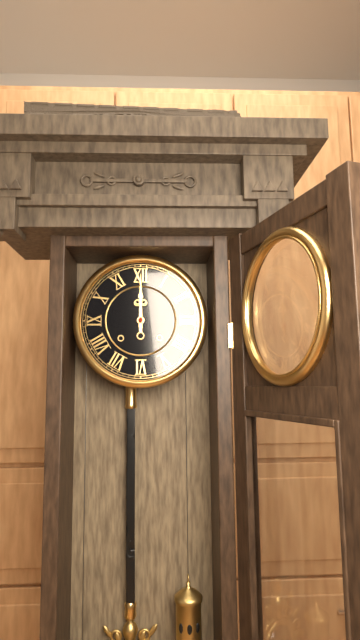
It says 12:00
